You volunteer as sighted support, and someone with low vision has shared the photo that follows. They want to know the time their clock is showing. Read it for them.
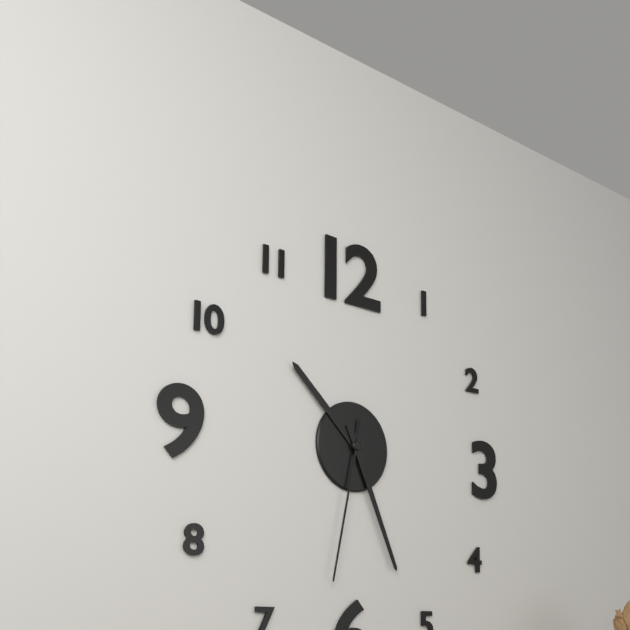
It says 10:26:32
